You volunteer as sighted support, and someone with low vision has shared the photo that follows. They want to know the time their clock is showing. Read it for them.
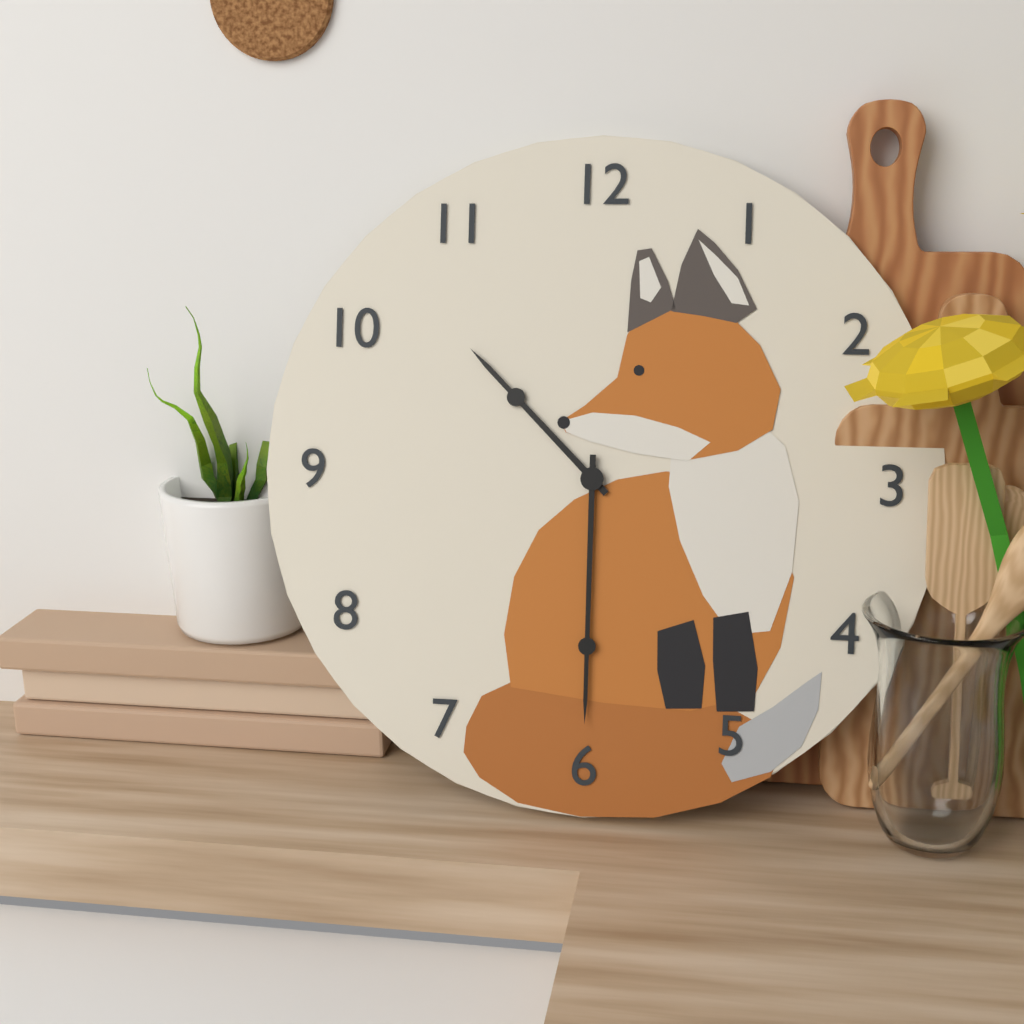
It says 10:30
